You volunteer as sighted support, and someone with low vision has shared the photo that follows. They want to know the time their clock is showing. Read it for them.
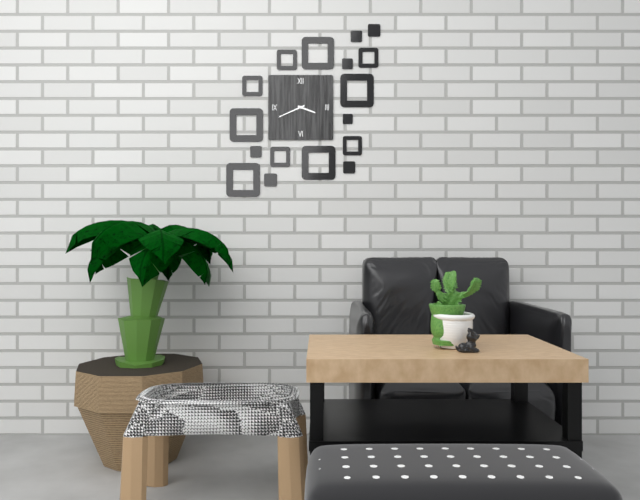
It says 3:41
